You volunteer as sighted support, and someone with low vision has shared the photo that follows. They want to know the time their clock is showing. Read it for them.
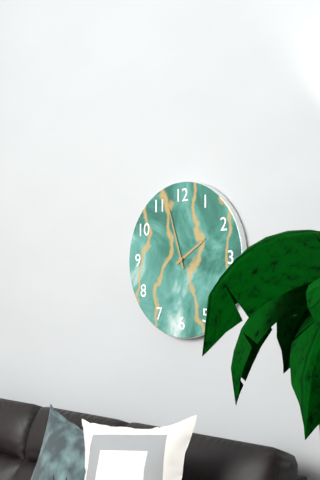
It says 1:57
